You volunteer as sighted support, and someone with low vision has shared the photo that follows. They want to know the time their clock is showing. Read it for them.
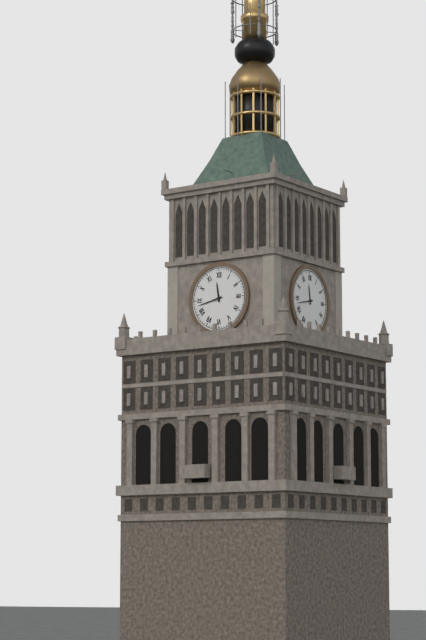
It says 11:43
